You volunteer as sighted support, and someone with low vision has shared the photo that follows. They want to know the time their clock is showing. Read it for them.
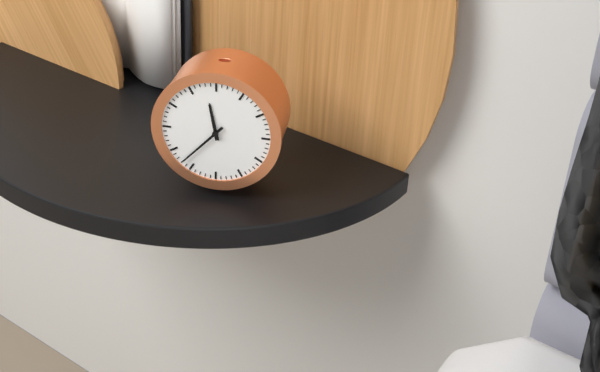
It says 11:37
